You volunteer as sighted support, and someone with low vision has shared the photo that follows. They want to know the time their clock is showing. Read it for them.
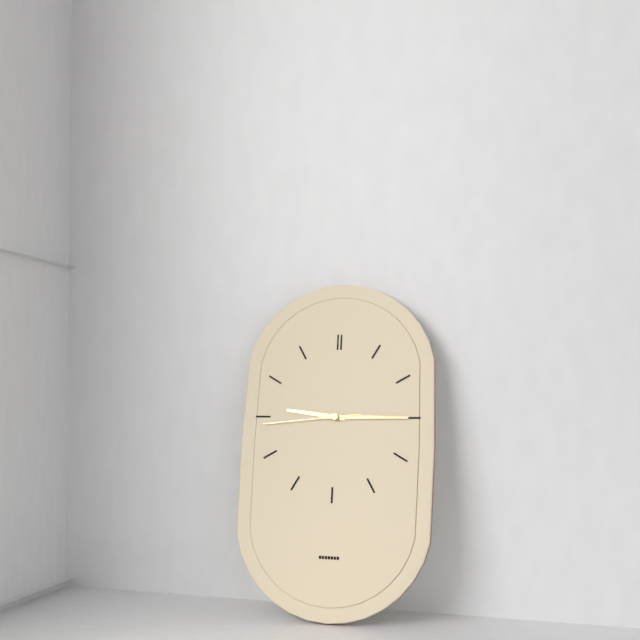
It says 9:15:44
